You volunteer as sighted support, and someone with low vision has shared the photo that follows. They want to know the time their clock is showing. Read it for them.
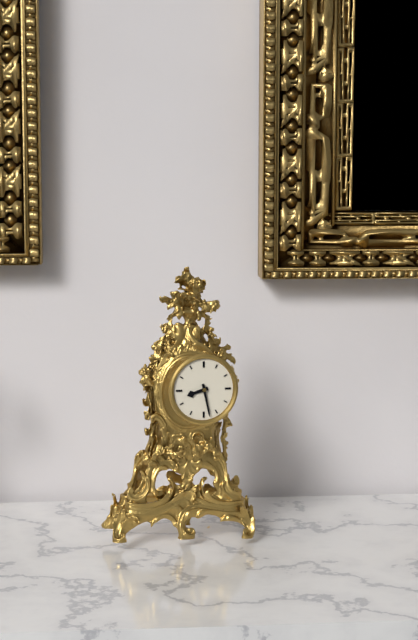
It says 8:28
